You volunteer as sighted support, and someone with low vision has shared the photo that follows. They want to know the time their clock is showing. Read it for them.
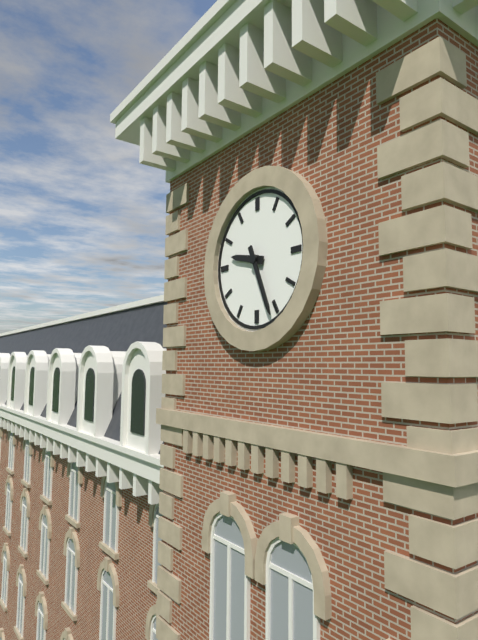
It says 9:26
